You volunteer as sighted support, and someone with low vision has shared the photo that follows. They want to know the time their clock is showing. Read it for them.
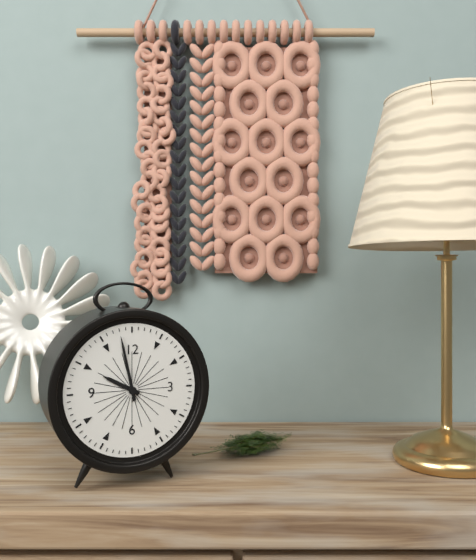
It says 9:58
